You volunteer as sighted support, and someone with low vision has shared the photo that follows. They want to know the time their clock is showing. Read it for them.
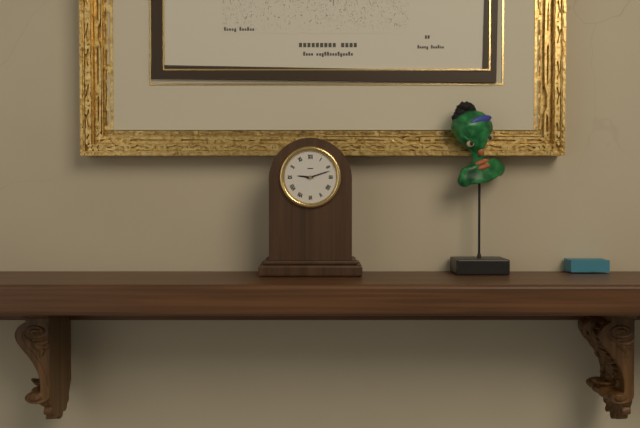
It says 9:12
